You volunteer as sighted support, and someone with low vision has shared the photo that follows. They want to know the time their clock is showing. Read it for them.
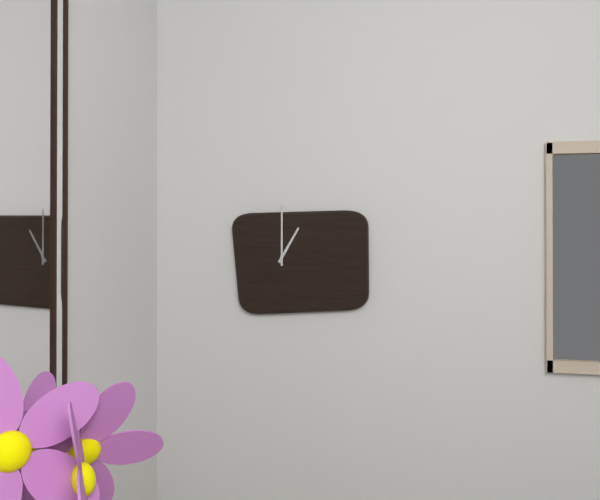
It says 1:00
